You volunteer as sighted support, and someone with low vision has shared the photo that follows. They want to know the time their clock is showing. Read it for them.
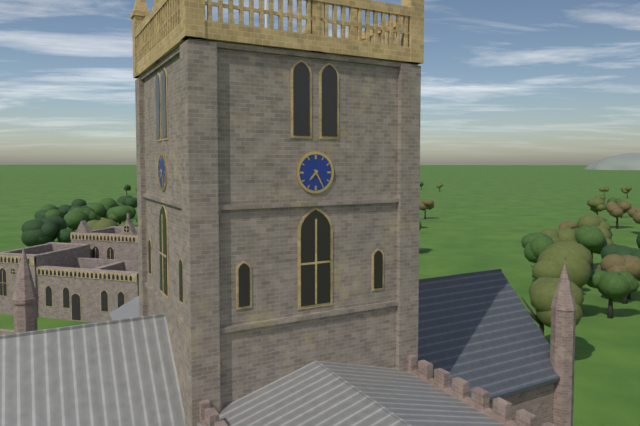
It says 7:25
